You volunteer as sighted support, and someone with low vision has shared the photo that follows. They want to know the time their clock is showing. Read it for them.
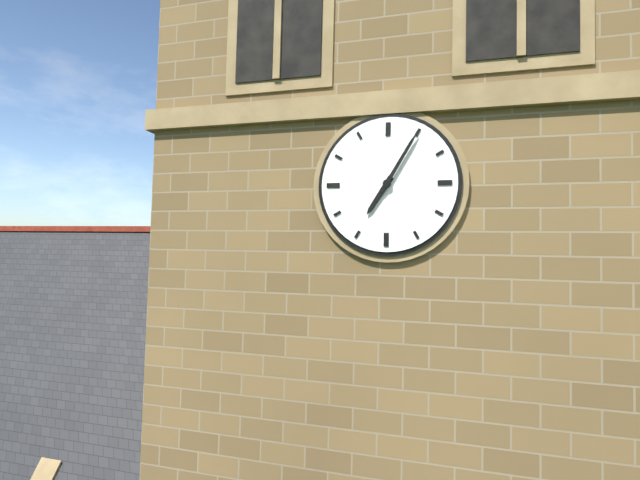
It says 7:05
